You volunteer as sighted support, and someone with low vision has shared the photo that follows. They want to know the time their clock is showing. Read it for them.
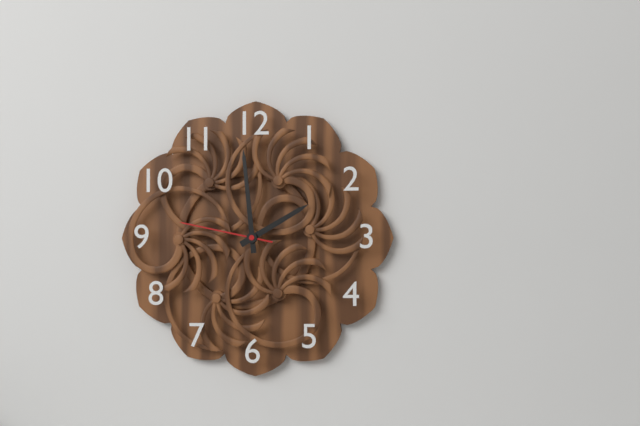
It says 1:59:47
